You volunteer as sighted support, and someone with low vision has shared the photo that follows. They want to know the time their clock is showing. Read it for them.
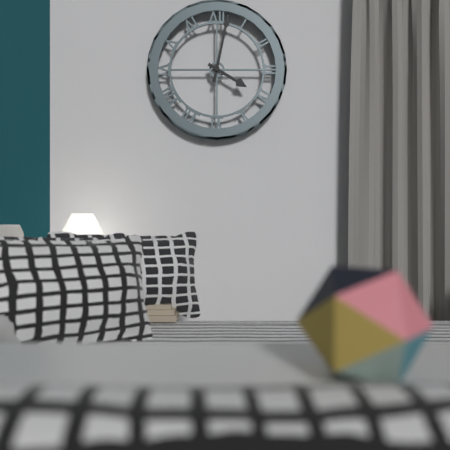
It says 4:02
